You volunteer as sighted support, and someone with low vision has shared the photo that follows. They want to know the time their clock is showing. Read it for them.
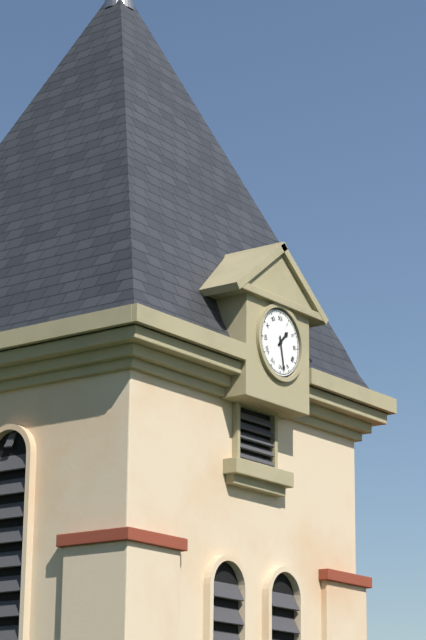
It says 1:28
